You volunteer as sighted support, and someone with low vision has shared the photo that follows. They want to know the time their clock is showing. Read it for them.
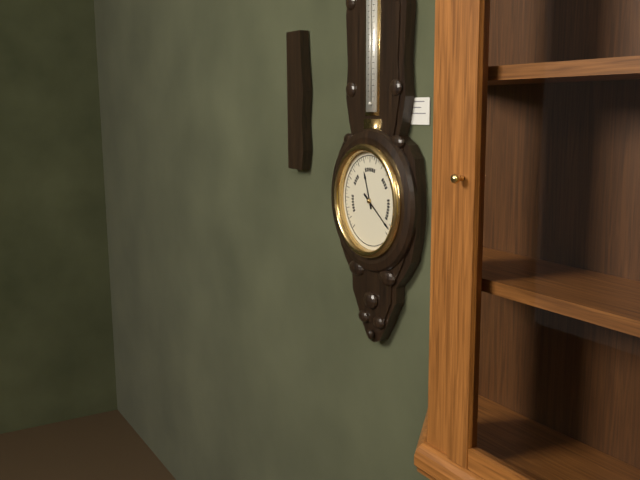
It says 11:21
